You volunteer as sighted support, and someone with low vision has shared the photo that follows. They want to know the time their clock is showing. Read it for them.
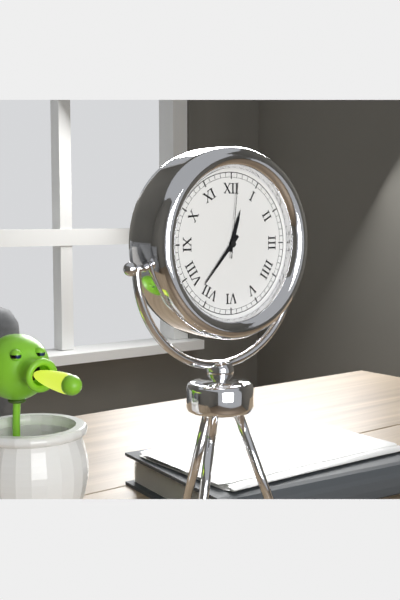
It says 12:37:01
